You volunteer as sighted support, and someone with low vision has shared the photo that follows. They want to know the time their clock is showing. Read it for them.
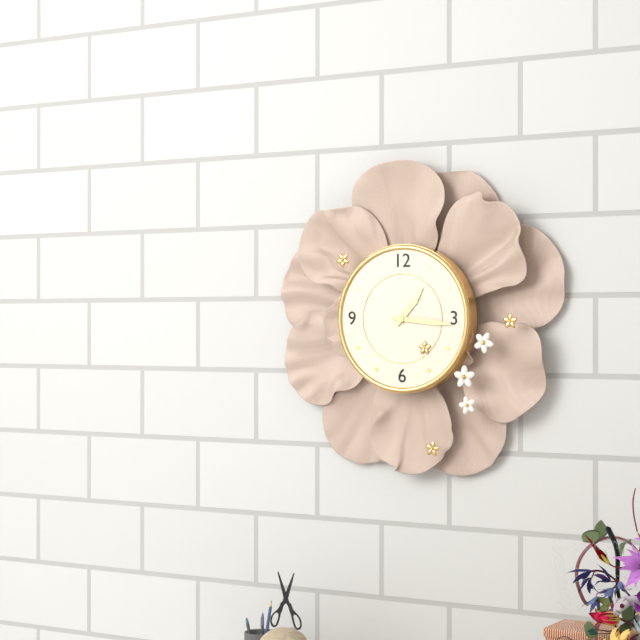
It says 1:16
